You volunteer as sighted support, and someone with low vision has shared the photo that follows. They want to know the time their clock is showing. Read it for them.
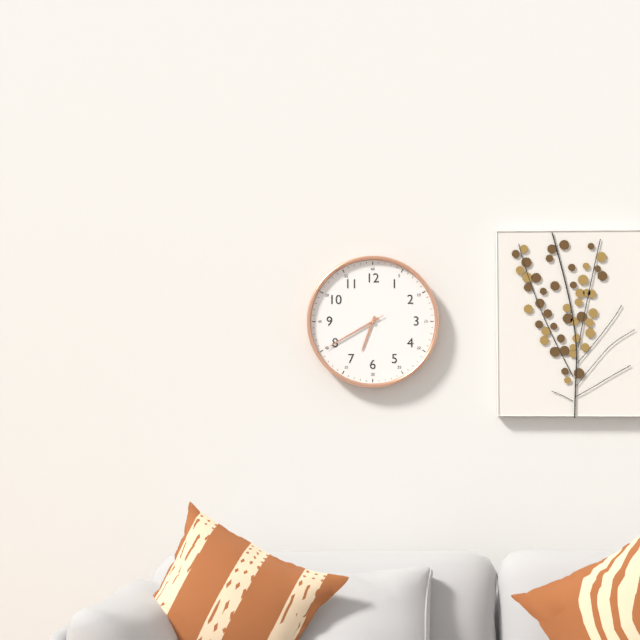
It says 6:40:40
